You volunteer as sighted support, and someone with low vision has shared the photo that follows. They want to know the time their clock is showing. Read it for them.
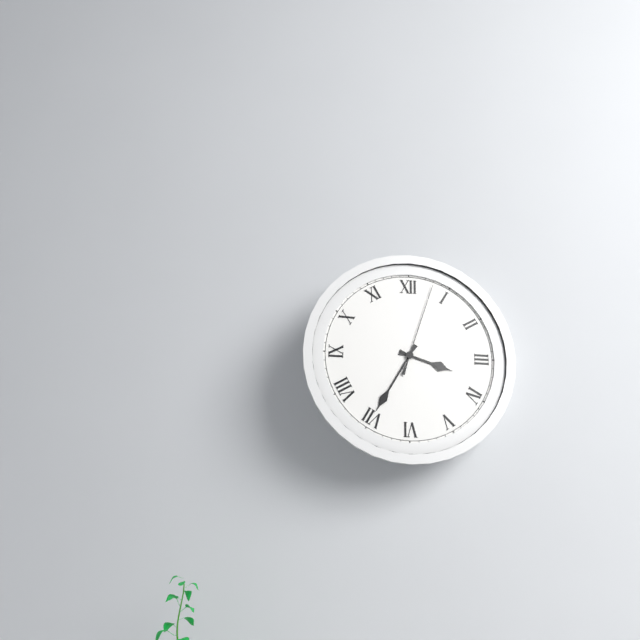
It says 3:35:03
